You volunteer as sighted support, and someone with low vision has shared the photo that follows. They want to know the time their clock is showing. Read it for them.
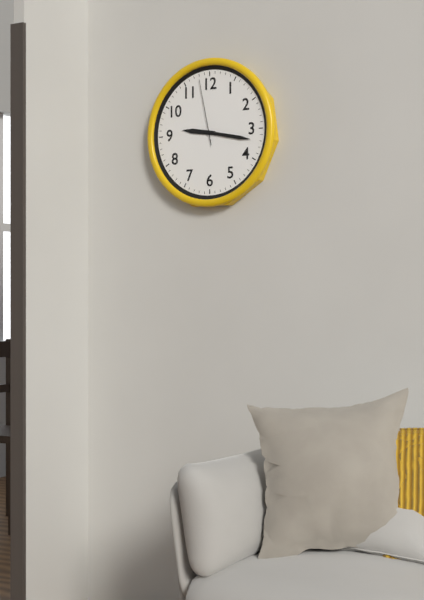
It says 9:17:58
